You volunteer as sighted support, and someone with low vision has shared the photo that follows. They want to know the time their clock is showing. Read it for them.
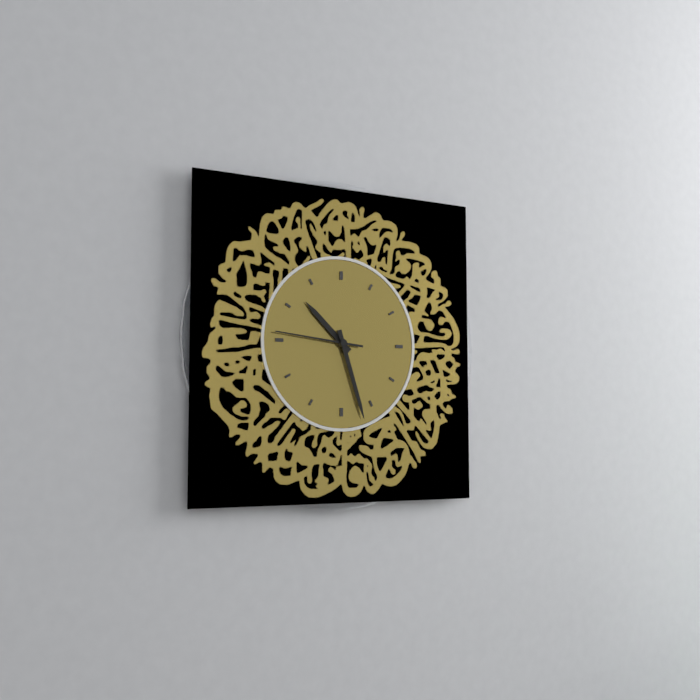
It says 10:27:46
